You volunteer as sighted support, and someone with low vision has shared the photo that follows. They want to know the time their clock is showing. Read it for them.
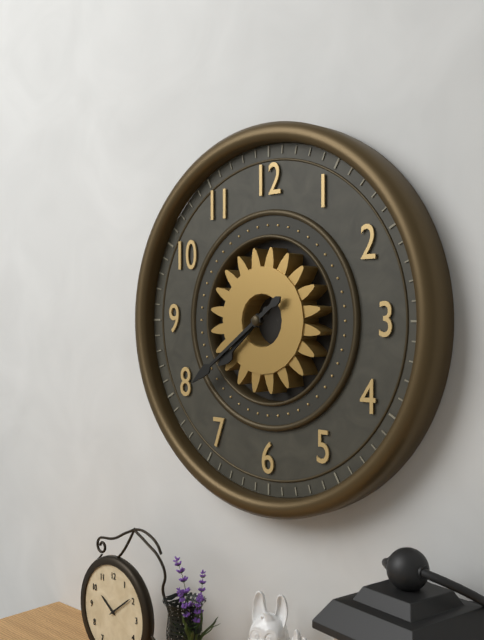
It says 7:39
